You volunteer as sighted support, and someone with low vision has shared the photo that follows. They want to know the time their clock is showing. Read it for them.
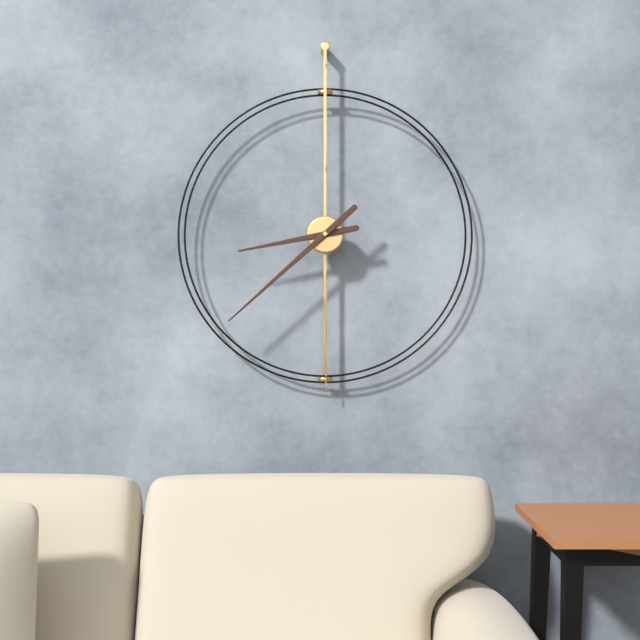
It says 8:38
